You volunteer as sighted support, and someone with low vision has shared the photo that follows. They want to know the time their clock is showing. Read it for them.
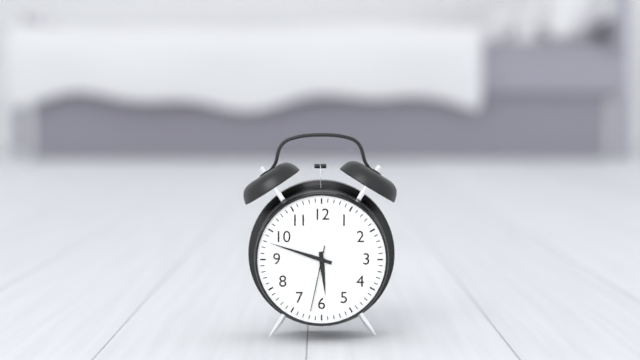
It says 5:48:32
